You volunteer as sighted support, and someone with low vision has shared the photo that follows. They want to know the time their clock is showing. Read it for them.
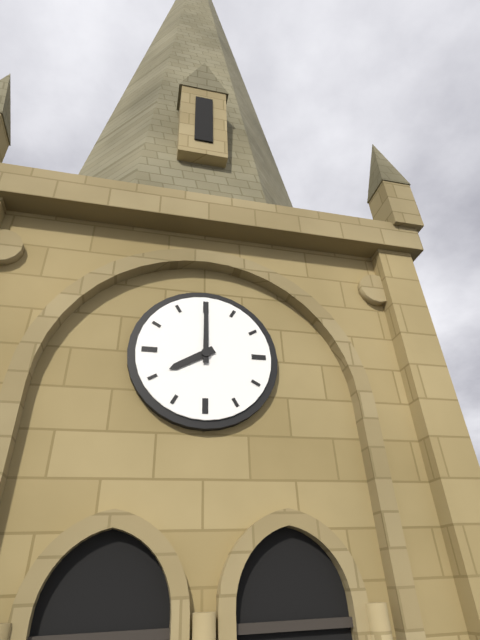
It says 8:00
